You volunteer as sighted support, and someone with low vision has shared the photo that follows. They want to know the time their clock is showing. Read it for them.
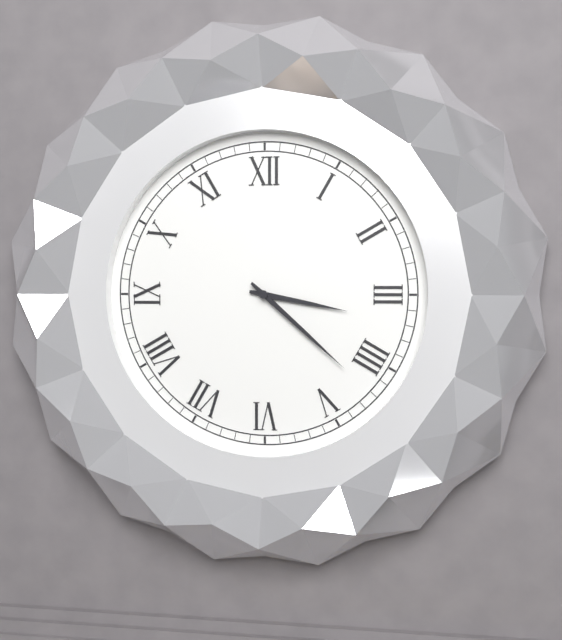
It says 3:22
